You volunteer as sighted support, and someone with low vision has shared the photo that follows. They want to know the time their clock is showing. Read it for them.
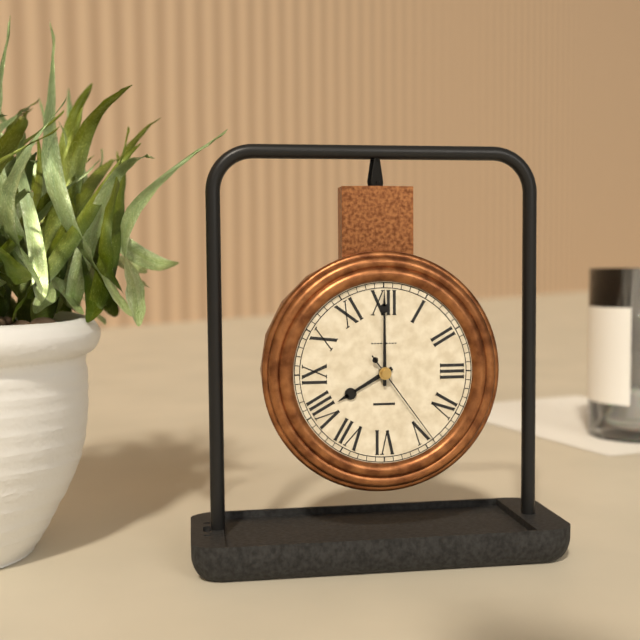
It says 8:00:24
